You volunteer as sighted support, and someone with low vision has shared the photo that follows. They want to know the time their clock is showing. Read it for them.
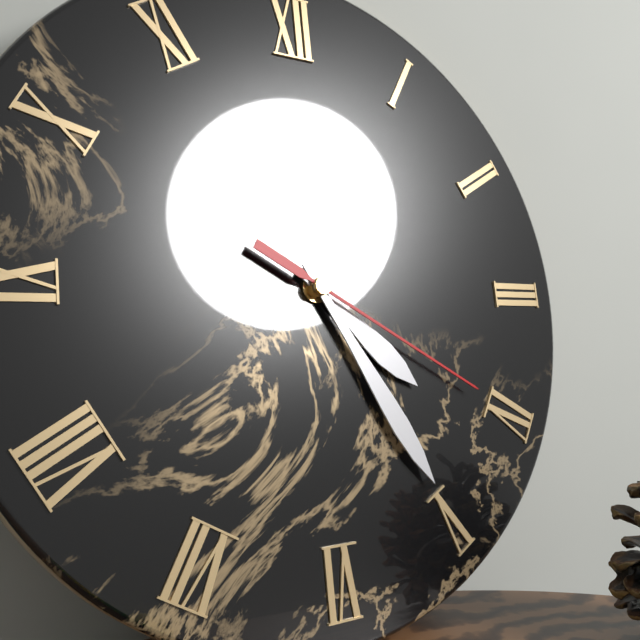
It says 4:25:20
